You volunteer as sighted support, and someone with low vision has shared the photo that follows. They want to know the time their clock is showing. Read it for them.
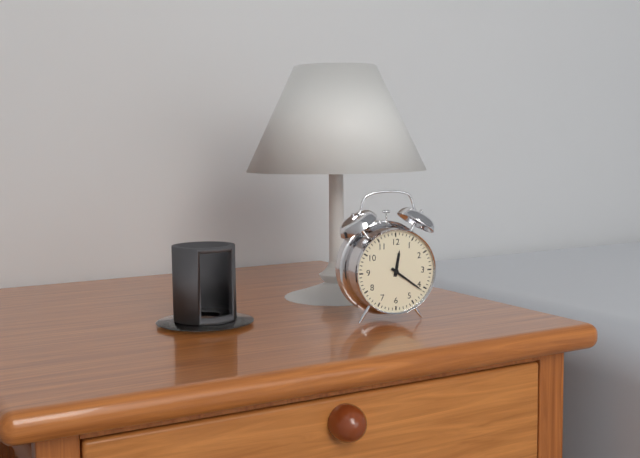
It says 12:21
